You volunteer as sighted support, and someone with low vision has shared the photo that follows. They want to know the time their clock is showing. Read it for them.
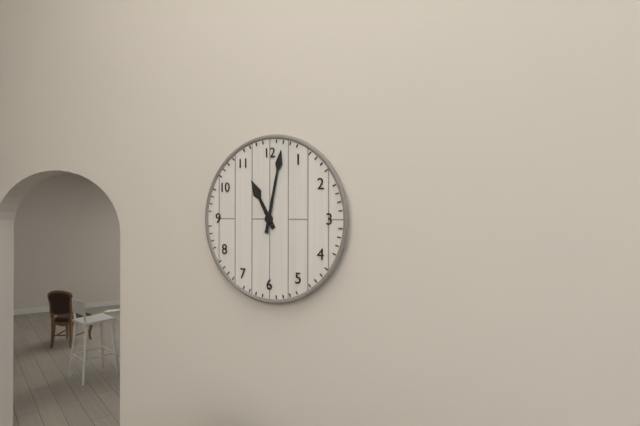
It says 11:02
